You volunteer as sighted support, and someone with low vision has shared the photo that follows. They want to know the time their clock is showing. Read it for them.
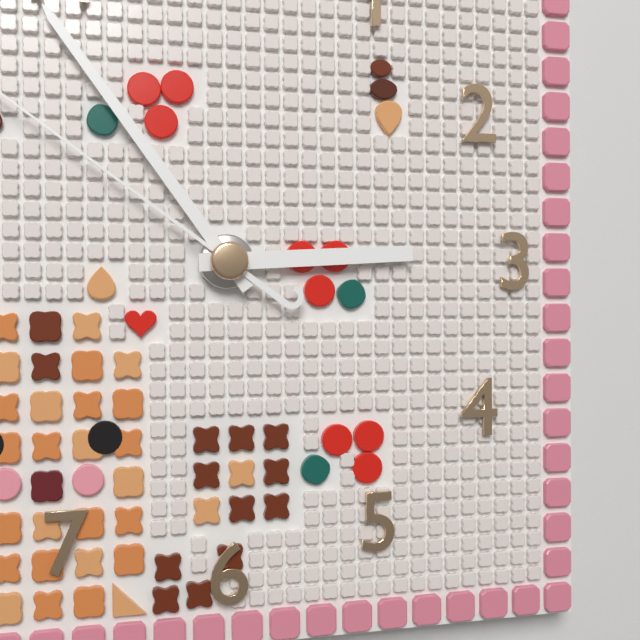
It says 2:54
